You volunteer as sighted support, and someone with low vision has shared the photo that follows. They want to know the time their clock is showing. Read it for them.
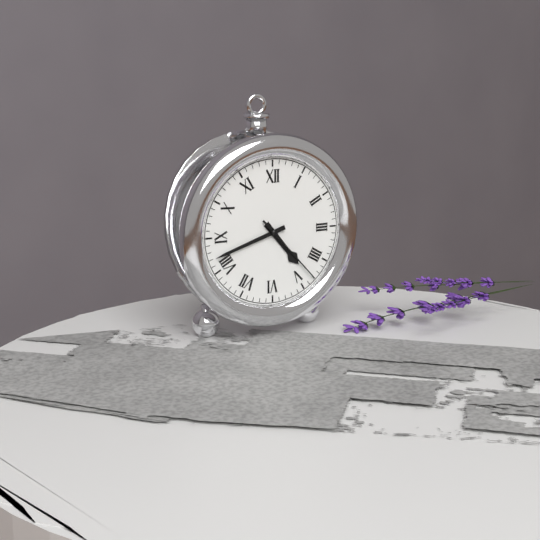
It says 4:42:23
